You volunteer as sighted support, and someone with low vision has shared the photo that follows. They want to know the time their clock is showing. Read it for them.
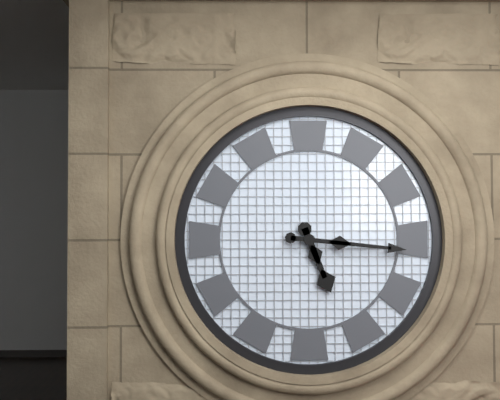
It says 5:16
